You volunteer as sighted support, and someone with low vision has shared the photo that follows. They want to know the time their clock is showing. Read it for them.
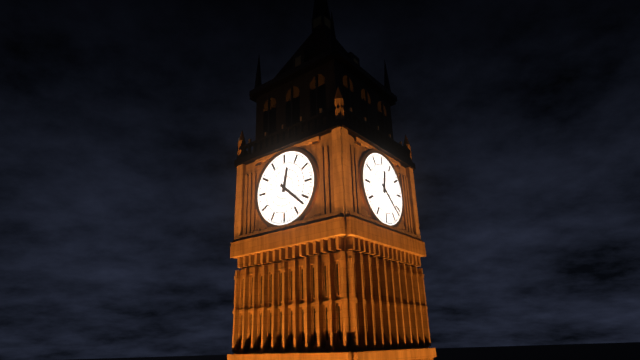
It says 12:22
